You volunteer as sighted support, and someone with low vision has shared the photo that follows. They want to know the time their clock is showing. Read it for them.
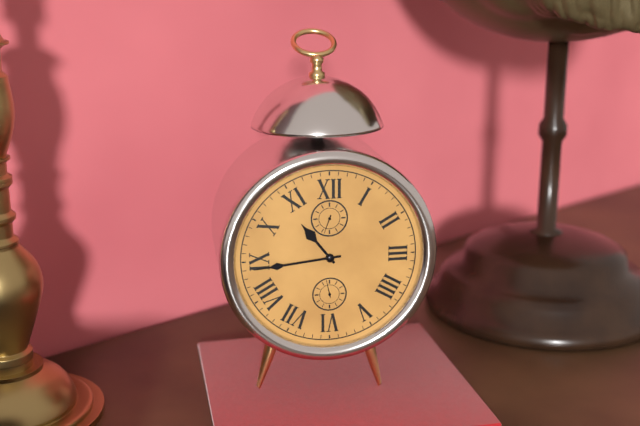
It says 10:44
